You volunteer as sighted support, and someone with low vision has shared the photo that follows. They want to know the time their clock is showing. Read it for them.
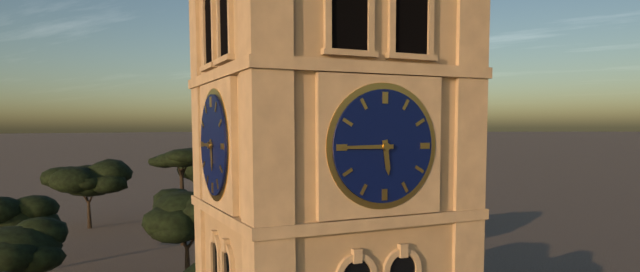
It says 5:45
